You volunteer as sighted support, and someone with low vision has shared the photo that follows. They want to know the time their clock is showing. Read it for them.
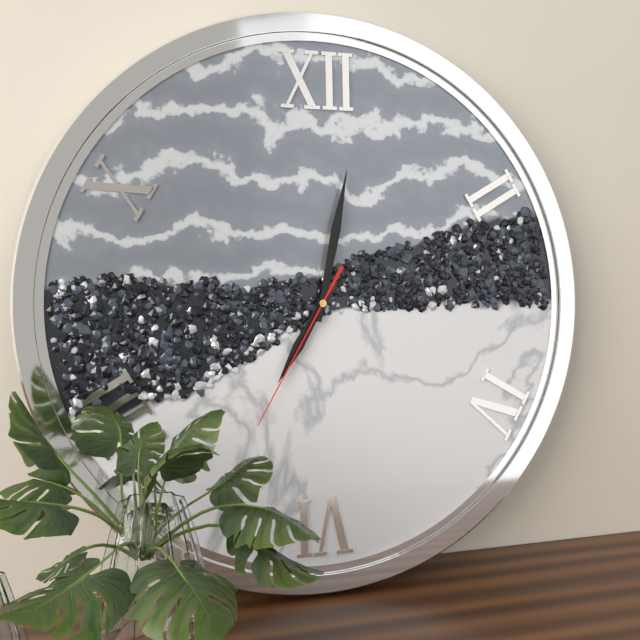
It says 7:02:35
